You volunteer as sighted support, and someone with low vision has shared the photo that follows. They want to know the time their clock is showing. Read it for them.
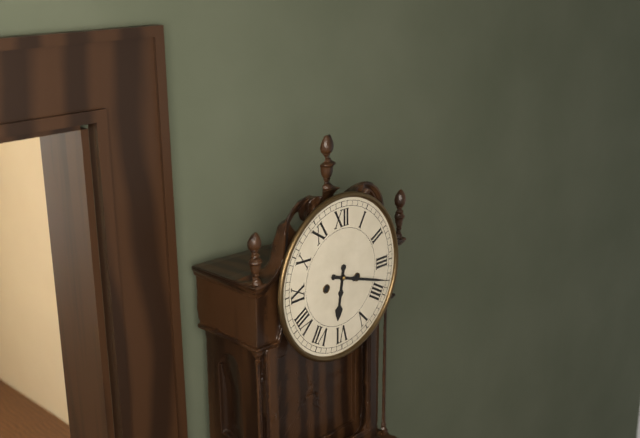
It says 6:18
